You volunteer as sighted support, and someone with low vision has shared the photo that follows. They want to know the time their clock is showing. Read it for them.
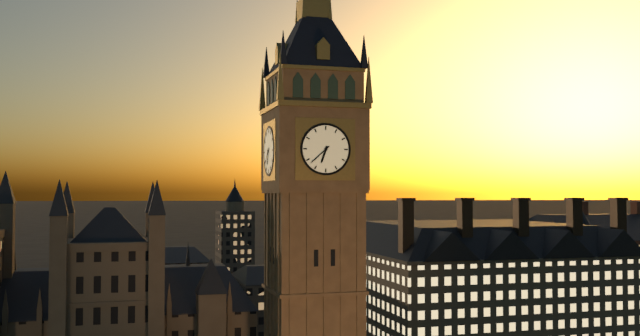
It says 6:38
